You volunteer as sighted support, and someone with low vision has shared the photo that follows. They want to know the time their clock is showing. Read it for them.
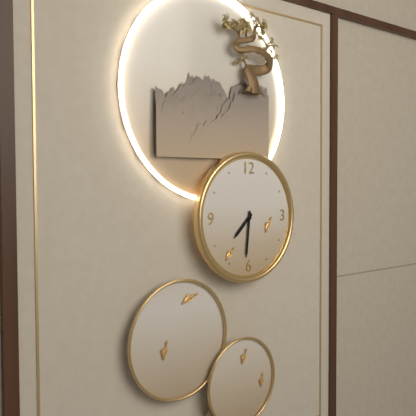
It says 7:31
